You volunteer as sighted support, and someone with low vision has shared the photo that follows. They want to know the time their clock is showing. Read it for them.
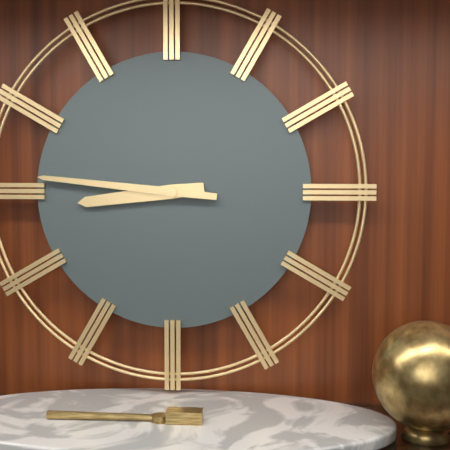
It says 8:46
